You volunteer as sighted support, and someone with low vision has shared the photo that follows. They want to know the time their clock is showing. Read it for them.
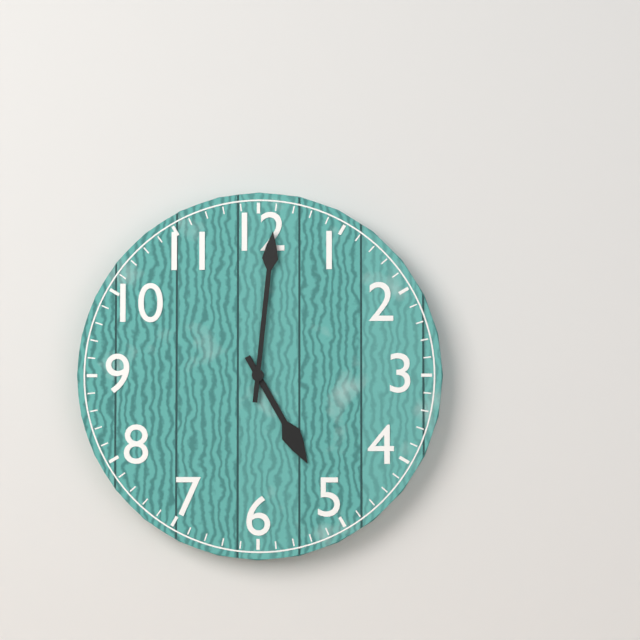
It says 5:01
